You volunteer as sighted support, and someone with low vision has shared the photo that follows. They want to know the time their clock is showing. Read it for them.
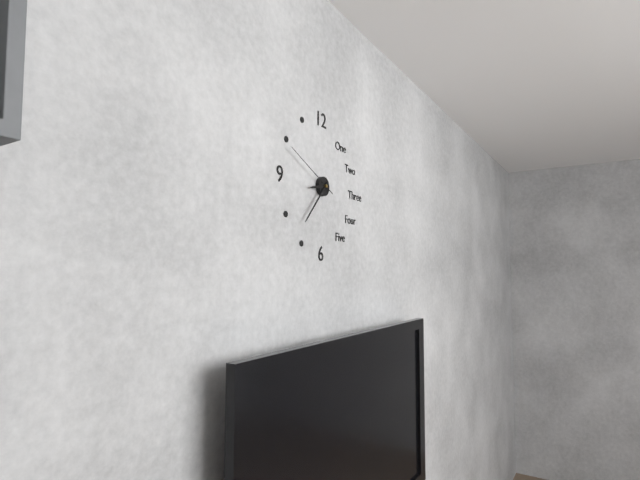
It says 8:37:49
